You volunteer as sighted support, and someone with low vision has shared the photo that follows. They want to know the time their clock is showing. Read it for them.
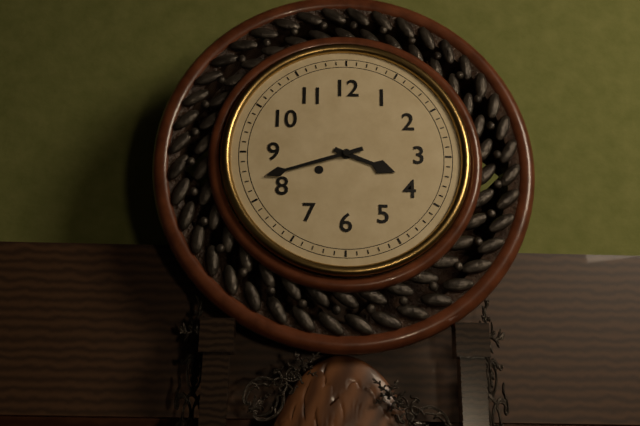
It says 3:42
